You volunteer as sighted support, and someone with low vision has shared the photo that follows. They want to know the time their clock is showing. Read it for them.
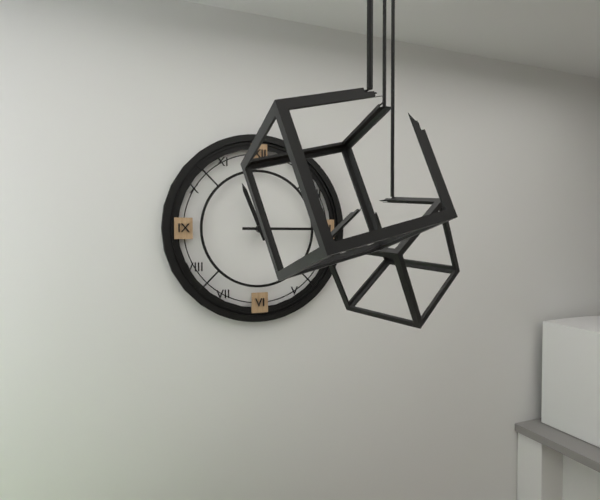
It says 11:15
